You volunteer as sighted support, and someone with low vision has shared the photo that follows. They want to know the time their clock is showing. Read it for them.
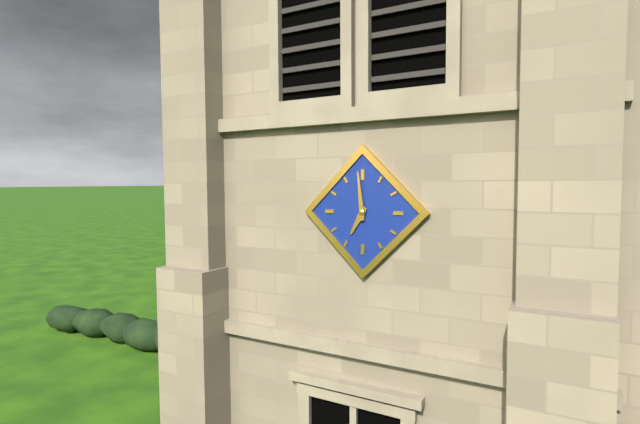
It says 6:59
